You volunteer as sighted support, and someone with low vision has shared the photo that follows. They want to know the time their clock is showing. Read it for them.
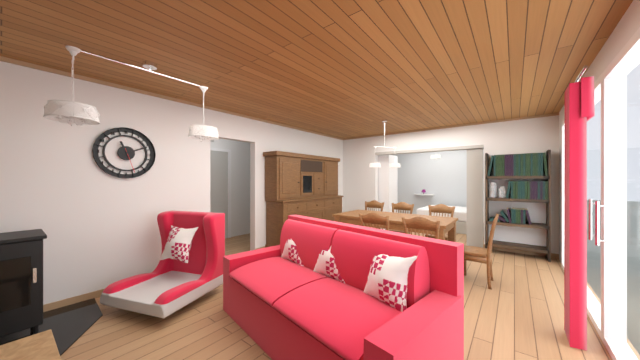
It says 11:11
